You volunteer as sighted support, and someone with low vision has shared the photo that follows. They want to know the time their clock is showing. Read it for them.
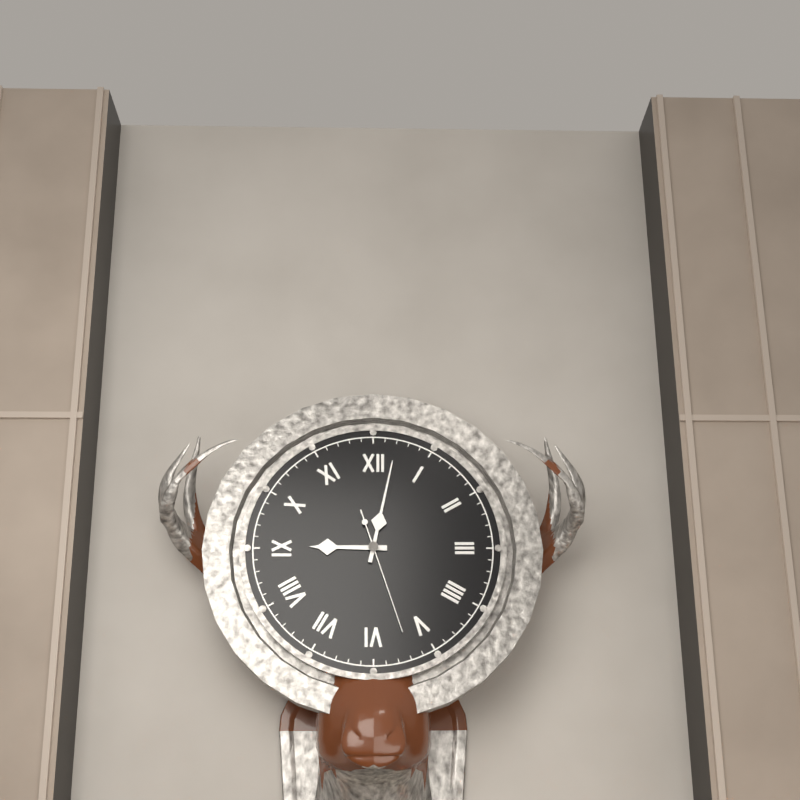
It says 9:02:27
